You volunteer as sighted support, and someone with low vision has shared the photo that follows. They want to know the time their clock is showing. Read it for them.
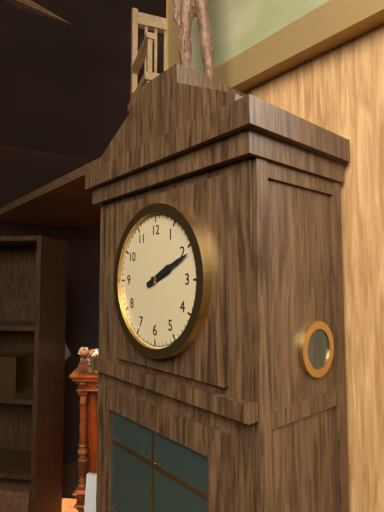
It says 2:11
